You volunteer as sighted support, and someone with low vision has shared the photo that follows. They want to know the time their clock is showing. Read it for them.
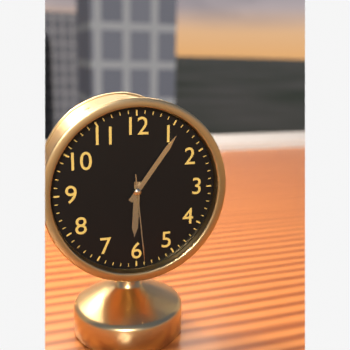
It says 6:06:29
